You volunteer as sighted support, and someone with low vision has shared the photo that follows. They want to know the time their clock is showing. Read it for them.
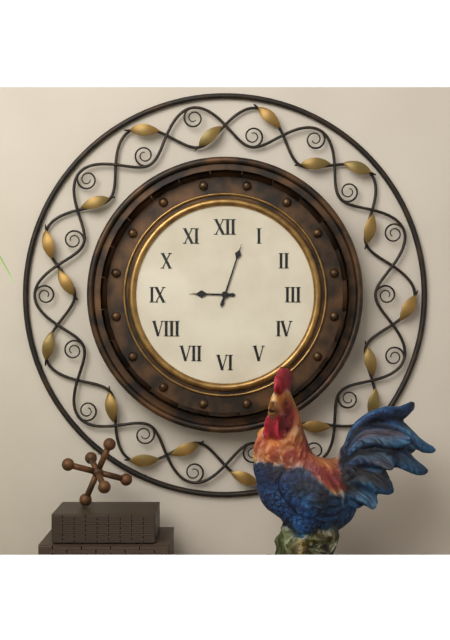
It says 9:03
